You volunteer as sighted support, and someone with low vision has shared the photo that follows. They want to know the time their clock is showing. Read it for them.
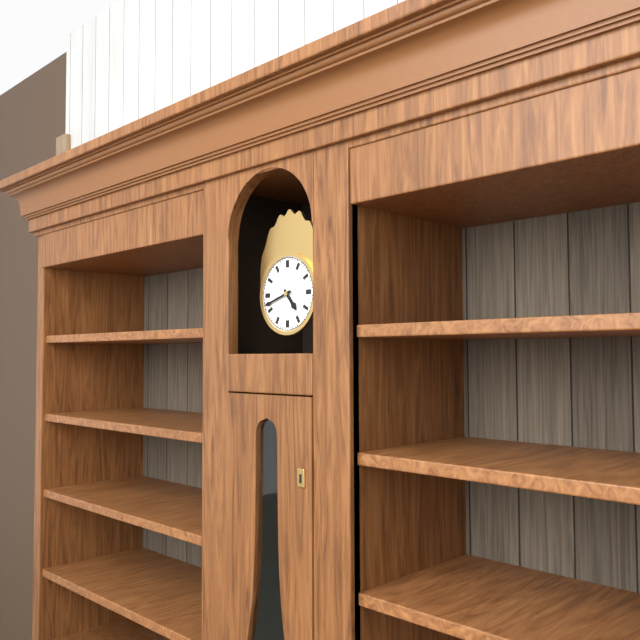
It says 4:42
